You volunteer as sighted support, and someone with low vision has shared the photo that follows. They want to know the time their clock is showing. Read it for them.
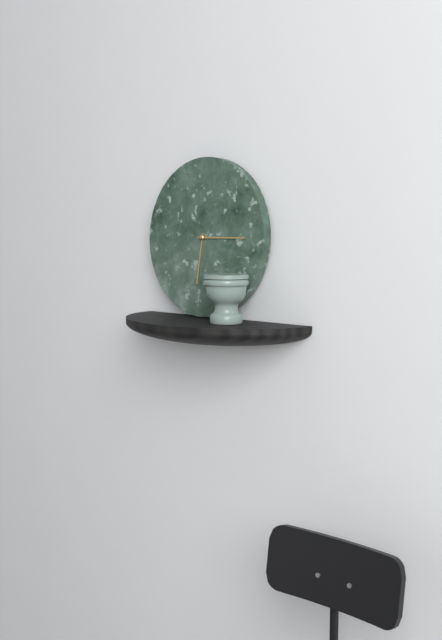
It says 6:15
